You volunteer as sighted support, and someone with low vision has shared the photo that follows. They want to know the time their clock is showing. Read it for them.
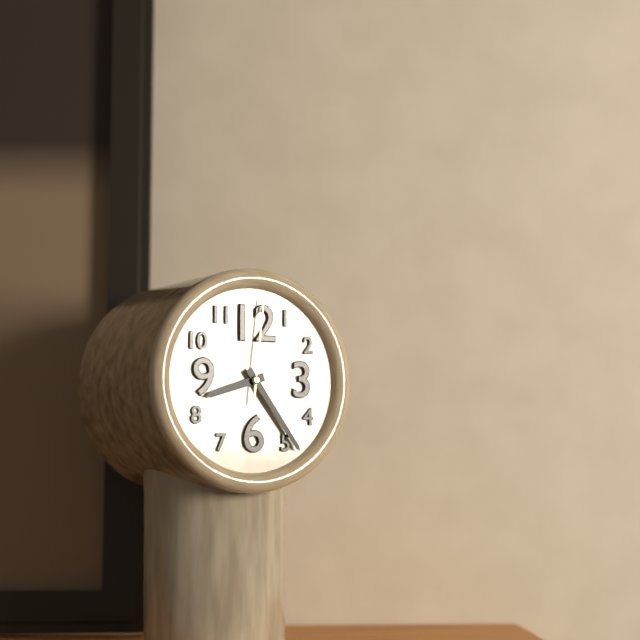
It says 8:24:01
